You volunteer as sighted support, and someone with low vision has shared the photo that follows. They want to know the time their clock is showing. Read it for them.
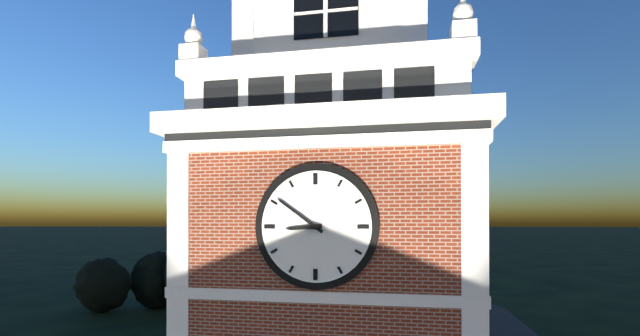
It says 8:51
